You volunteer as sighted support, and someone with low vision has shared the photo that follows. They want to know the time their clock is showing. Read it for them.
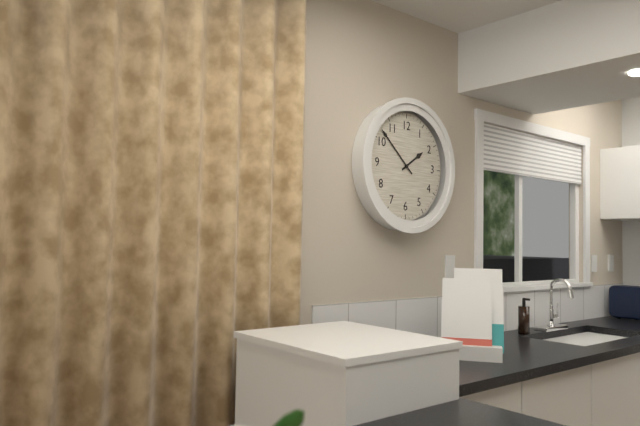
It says 1:52
